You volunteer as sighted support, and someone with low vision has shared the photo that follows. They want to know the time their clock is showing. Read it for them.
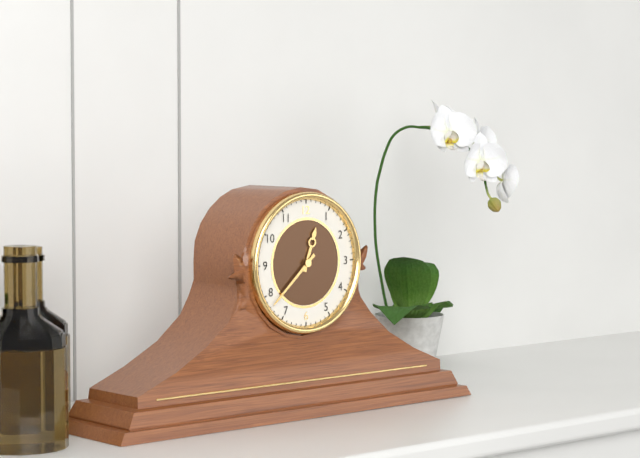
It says 12:38
